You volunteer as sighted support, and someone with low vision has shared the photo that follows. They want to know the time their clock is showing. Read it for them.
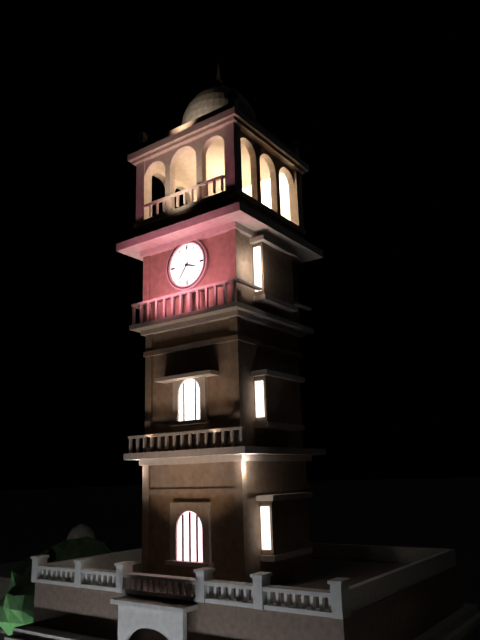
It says 3:36
